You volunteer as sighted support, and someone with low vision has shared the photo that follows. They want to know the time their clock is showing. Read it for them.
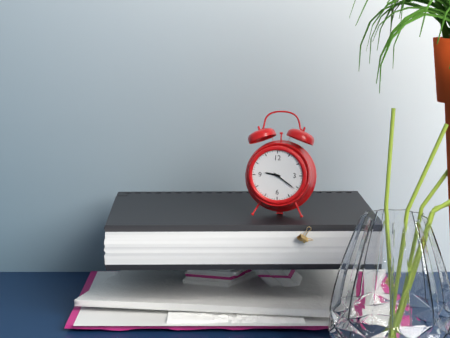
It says 9:21
